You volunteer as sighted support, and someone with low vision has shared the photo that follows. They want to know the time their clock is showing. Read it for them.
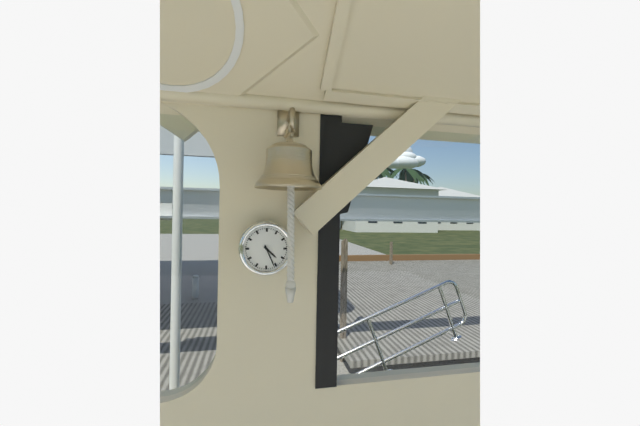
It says 4:26
